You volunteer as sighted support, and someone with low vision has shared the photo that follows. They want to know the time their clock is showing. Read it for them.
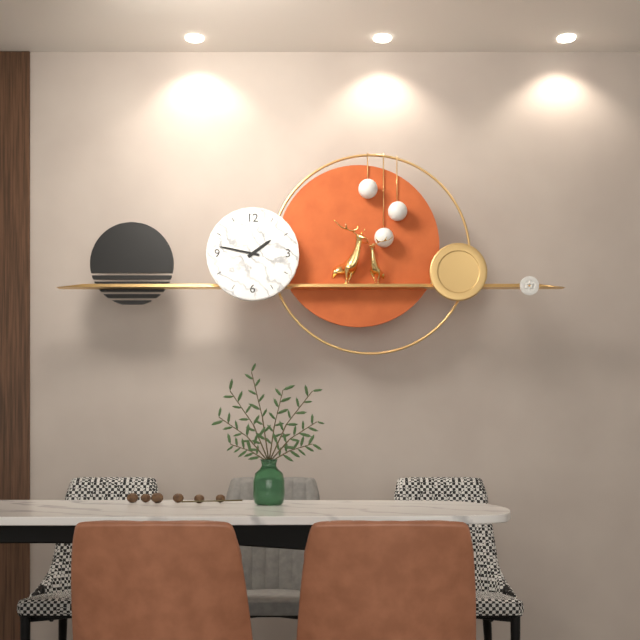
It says 1:47
